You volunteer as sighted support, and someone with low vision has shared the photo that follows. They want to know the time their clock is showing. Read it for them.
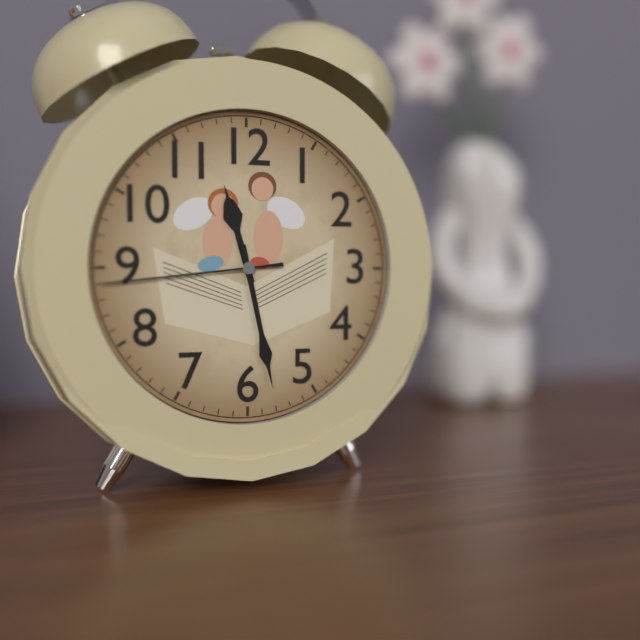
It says 11:28:44
